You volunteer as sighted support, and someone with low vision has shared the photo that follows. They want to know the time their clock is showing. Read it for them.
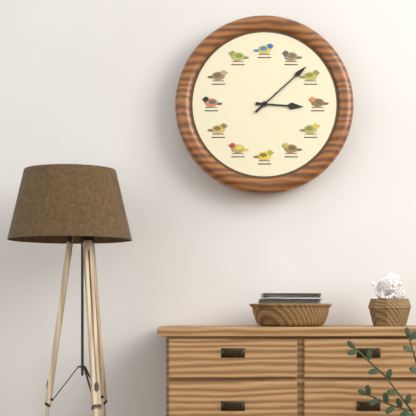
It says 3:08
